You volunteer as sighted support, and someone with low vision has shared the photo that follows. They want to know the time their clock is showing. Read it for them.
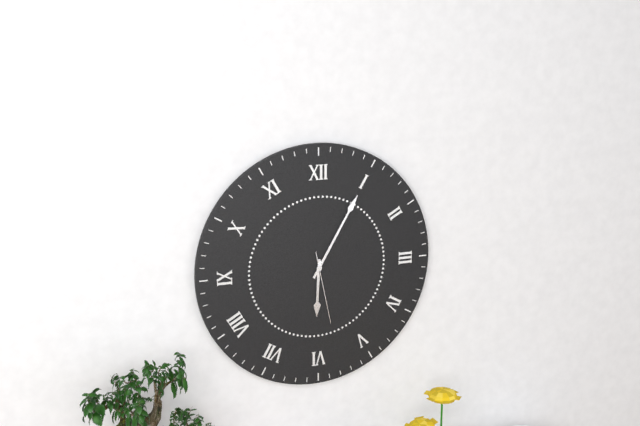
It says 6:05:28
